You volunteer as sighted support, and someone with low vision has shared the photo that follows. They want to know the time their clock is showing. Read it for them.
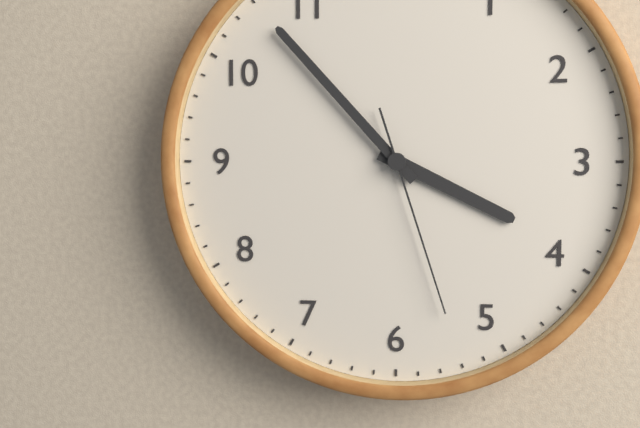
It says 3:53:27
